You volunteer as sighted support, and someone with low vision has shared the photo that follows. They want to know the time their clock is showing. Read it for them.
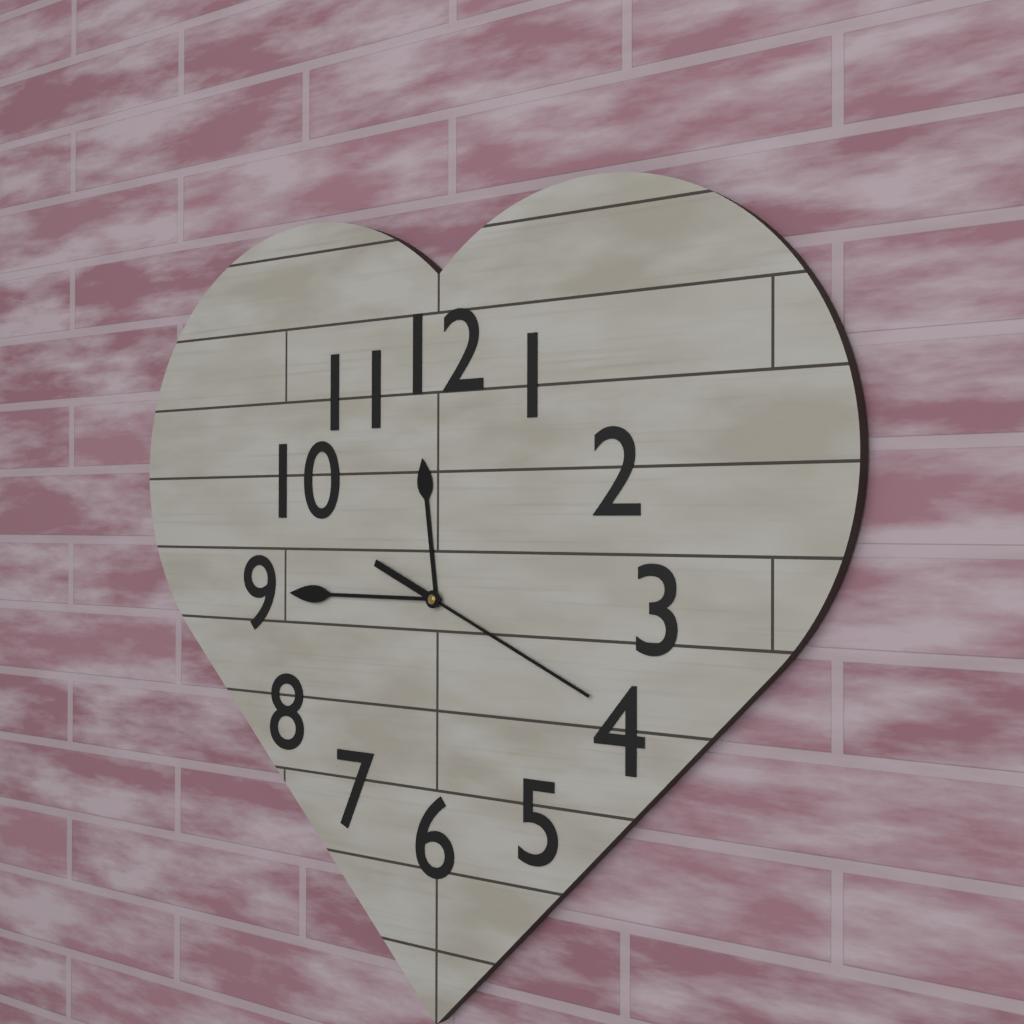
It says 11:45:19
